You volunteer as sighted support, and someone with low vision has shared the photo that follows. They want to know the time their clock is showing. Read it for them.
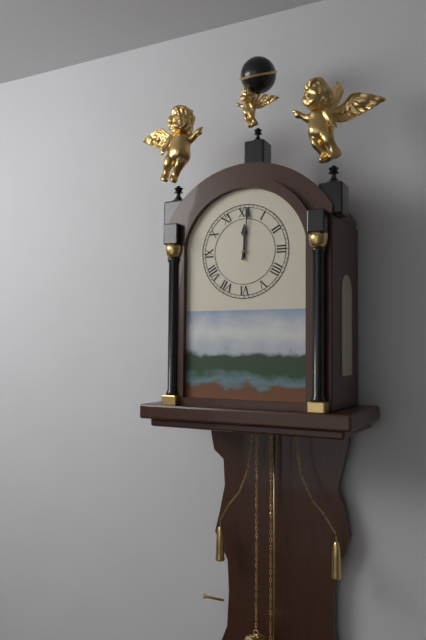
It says 12:01
